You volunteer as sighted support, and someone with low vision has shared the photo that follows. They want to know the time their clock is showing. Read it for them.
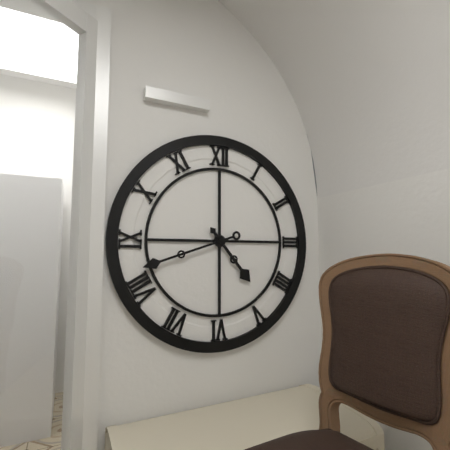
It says 4:42
